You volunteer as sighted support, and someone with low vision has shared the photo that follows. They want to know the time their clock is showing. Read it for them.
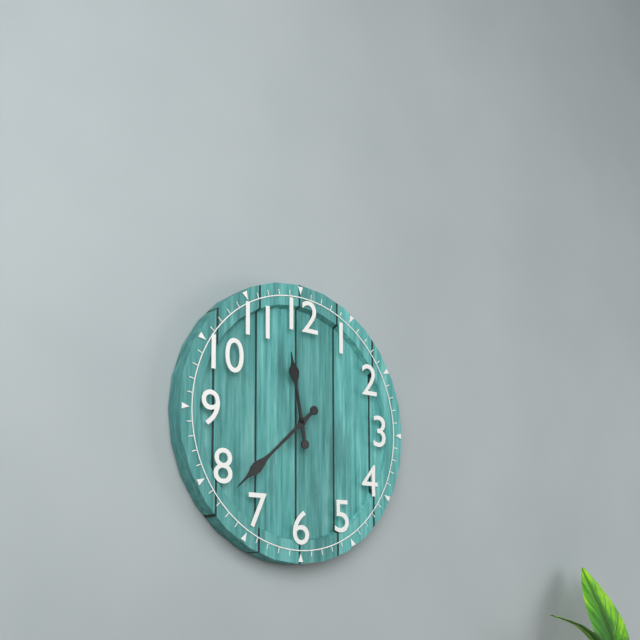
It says 11:38
